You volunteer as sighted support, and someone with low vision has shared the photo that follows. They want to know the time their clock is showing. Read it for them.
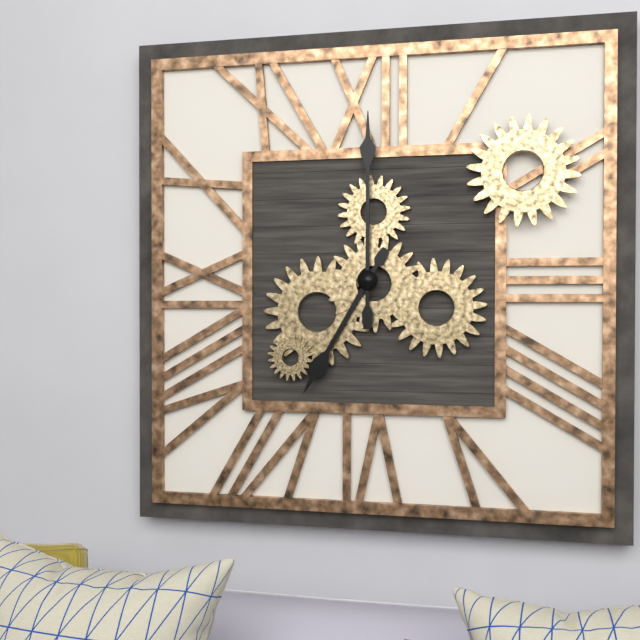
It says 7:00
